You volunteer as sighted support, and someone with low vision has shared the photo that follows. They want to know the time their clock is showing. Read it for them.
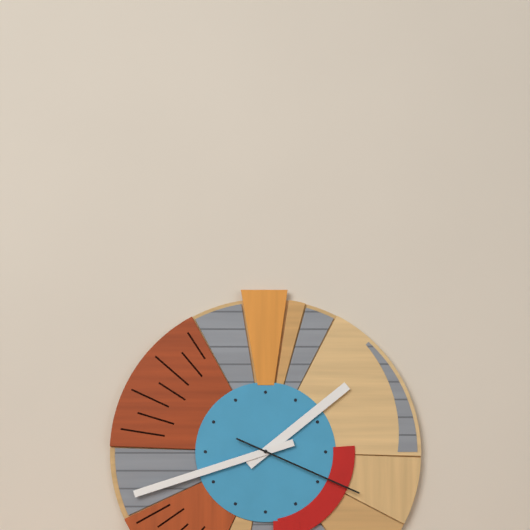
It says 1:42:19
